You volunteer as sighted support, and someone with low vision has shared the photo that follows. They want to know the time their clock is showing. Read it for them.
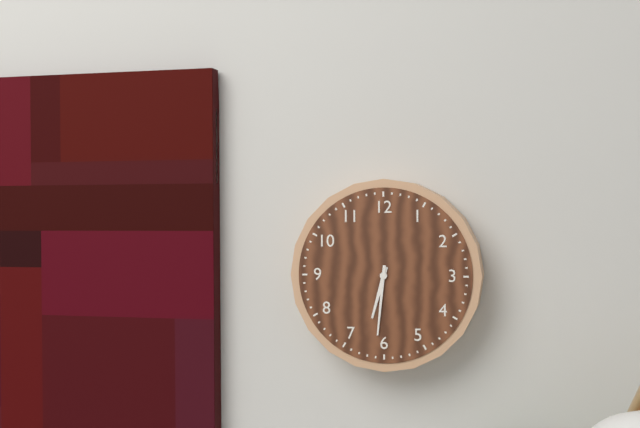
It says 6:31
